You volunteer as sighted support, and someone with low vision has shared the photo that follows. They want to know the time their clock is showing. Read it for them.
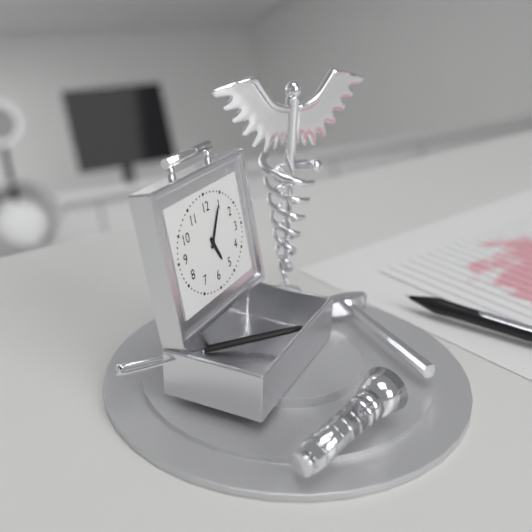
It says 5:06
